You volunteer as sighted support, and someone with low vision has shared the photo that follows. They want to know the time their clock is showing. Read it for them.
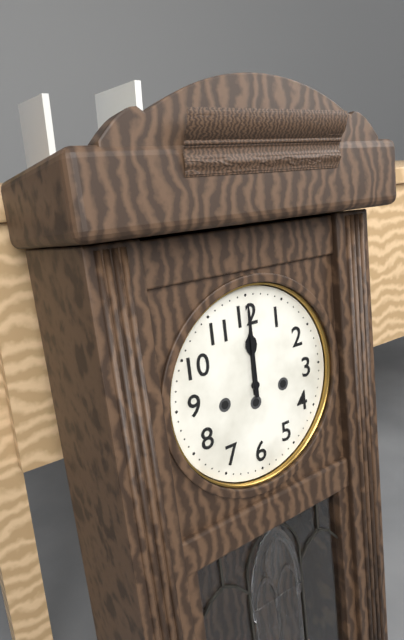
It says 12:00
